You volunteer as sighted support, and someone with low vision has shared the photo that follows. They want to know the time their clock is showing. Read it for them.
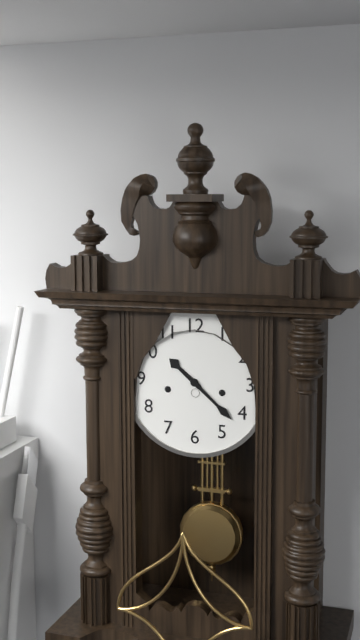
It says 10:22
